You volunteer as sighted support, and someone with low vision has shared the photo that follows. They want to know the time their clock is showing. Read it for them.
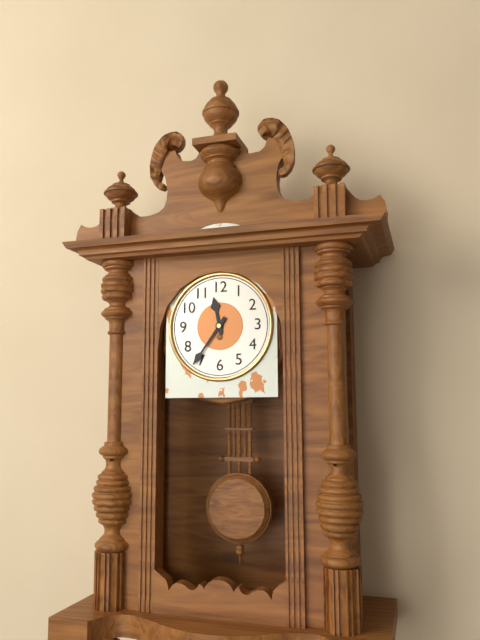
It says 11:36
